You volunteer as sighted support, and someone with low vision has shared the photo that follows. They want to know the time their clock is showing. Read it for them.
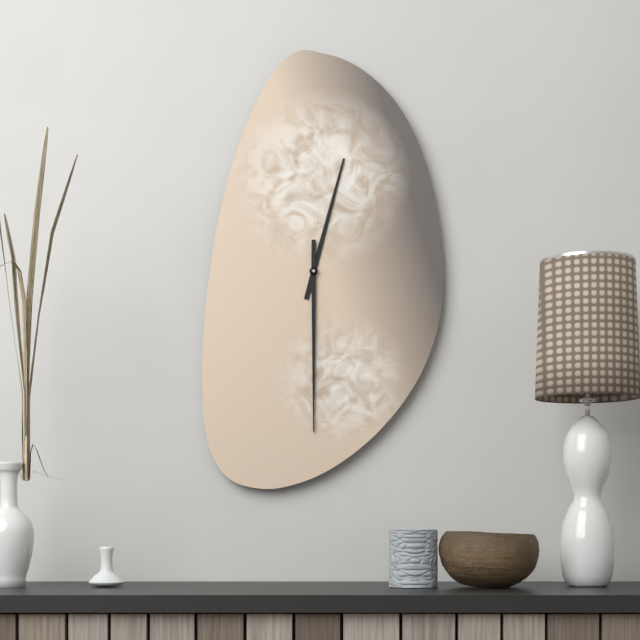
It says 12:30
